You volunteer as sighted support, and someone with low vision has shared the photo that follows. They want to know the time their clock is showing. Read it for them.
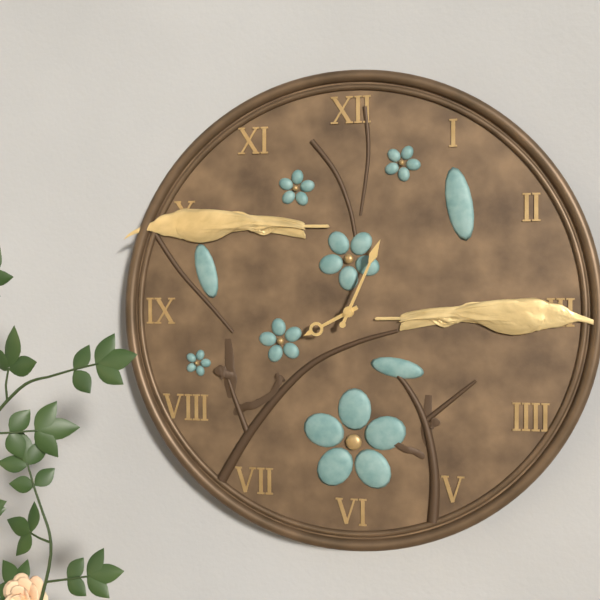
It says 8:04
